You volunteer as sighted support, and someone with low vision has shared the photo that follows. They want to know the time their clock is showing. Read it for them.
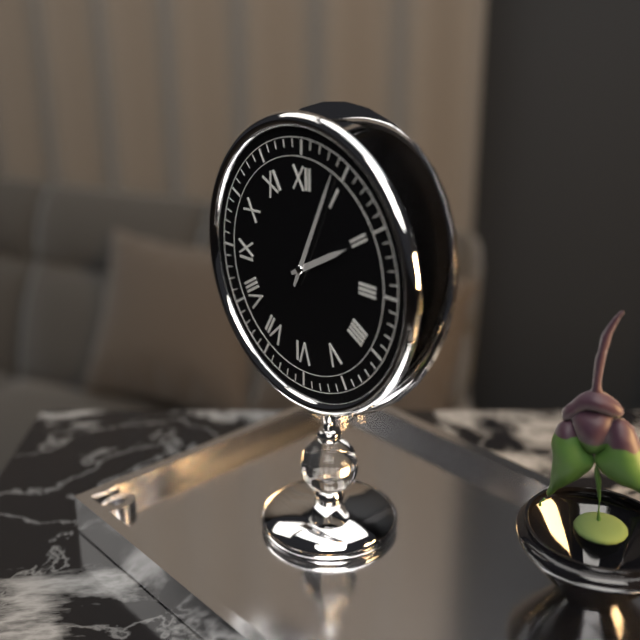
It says 2:04
